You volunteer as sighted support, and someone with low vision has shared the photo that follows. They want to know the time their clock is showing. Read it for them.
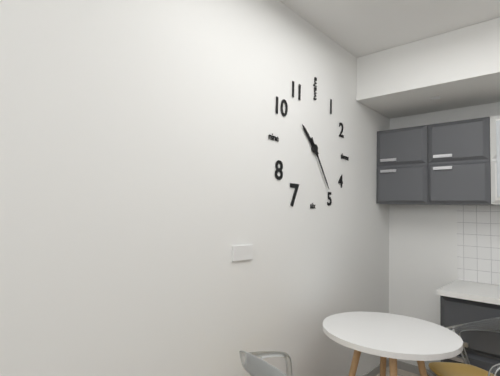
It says 10:24
